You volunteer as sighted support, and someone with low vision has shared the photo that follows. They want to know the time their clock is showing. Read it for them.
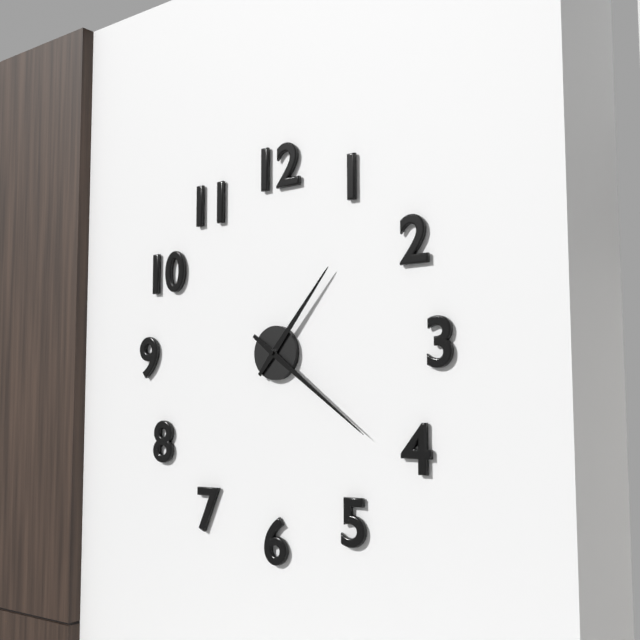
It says 1:21
